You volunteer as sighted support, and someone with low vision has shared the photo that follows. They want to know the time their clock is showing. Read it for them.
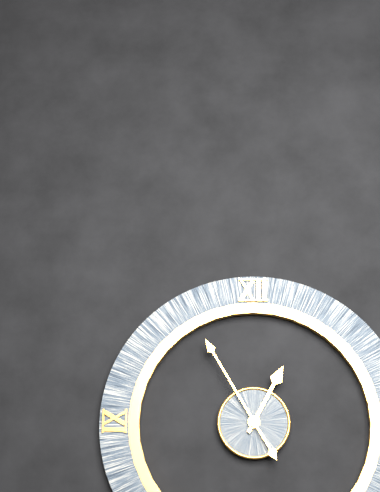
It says 12:55
